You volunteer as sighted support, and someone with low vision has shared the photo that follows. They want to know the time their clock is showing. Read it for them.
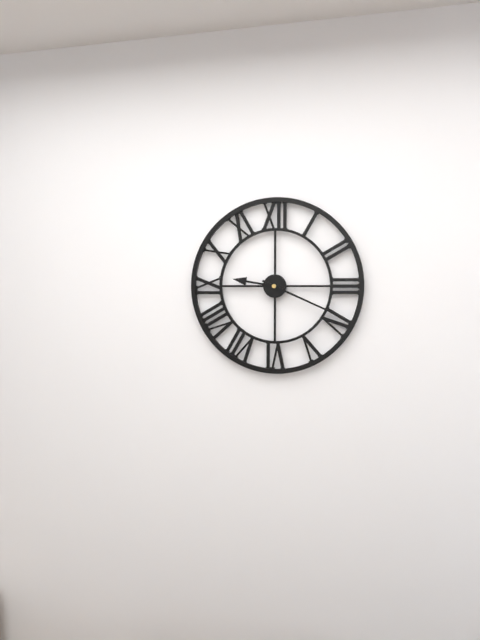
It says 9:19
